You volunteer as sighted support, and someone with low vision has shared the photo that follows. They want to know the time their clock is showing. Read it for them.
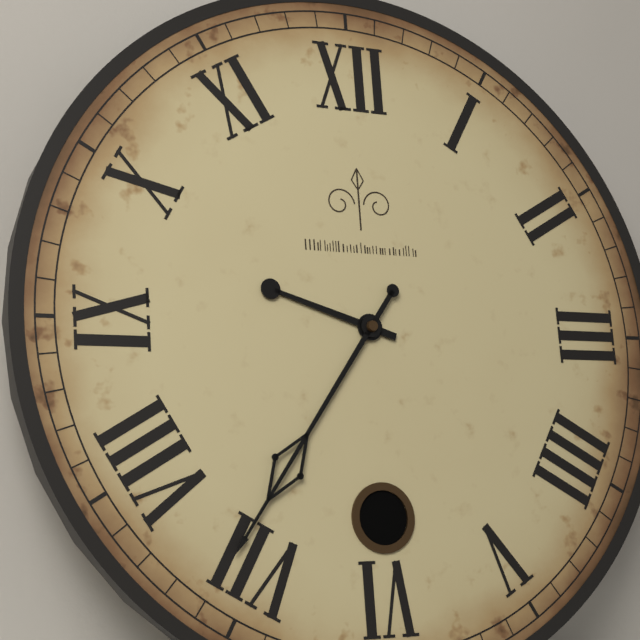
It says 9:36
